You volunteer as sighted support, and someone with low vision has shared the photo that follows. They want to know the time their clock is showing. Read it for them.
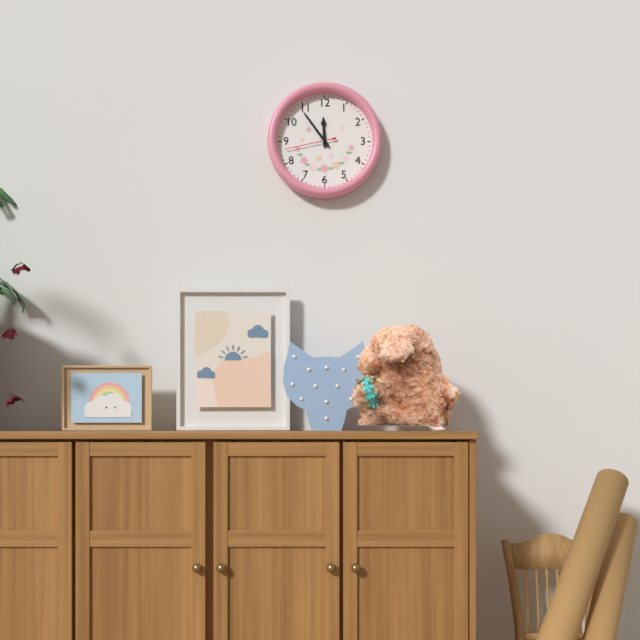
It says 11:54:43
